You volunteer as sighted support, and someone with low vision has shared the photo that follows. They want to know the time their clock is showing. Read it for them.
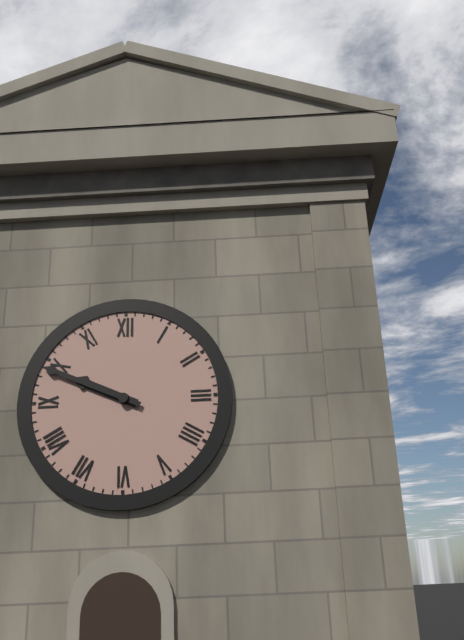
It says 9:49
